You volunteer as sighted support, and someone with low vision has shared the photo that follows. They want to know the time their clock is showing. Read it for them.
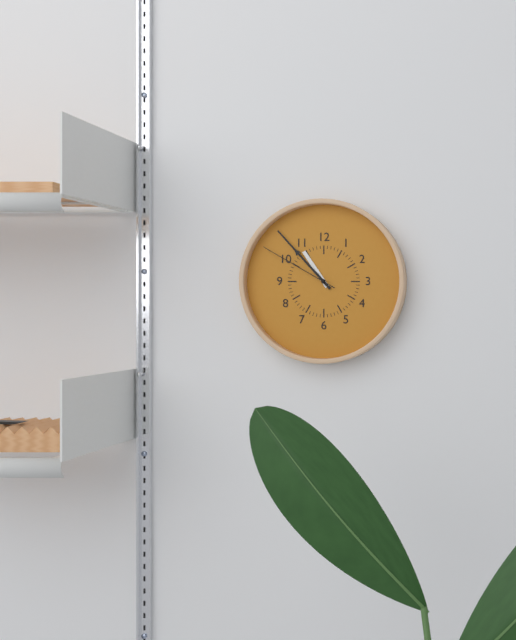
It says 10:53:50
